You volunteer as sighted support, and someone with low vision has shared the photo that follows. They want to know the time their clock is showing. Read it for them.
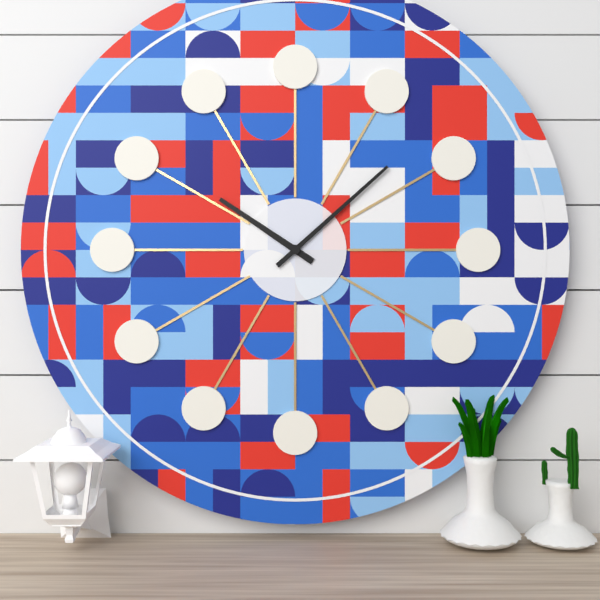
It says 10:08
